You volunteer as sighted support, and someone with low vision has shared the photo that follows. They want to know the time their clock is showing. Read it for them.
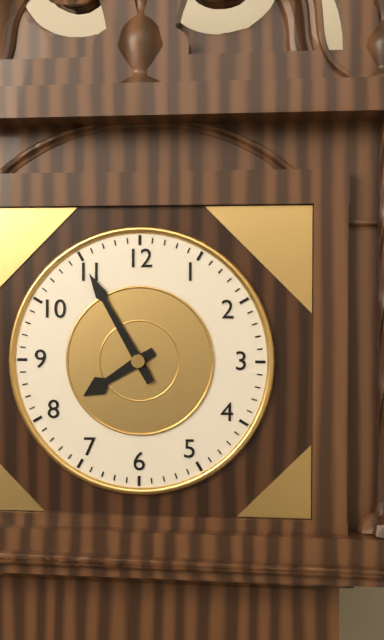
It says 7:55
